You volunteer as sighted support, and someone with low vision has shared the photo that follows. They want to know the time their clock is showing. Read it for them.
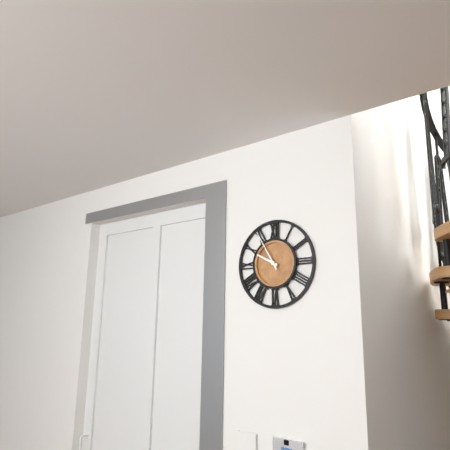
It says 9:55
